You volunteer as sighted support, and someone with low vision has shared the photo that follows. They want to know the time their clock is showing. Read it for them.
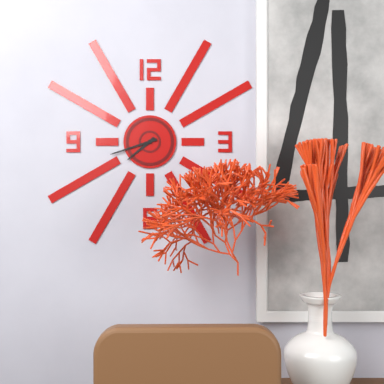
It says 7:42
